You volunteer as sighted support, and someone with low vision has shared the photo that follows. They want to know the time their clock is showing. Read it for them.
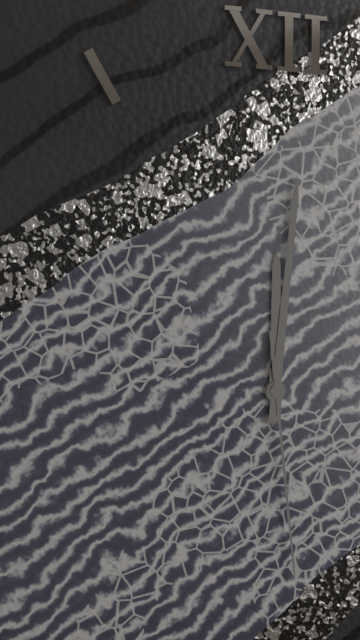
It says 12:01:29
